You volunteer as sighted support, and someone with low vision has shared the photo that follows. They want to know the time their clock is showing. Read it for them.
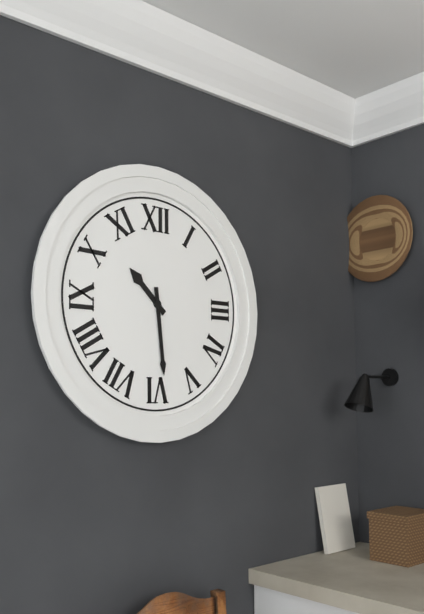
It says 10:29
